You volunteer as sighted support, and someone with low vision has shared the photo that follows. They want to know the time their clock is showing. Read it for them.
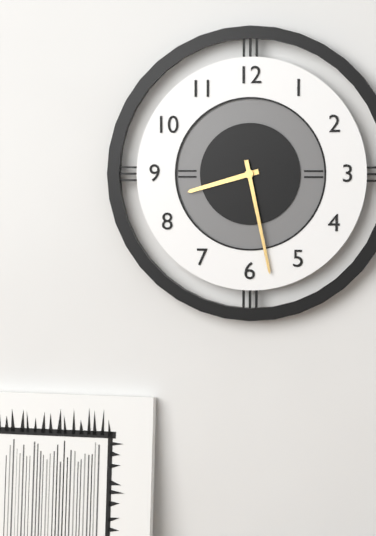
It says 8:28
